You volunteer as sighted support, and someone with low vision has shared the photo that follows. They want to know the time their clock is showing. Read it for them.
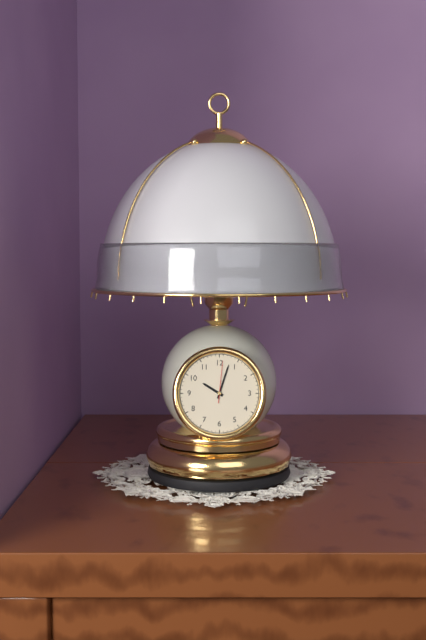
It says 10:03
